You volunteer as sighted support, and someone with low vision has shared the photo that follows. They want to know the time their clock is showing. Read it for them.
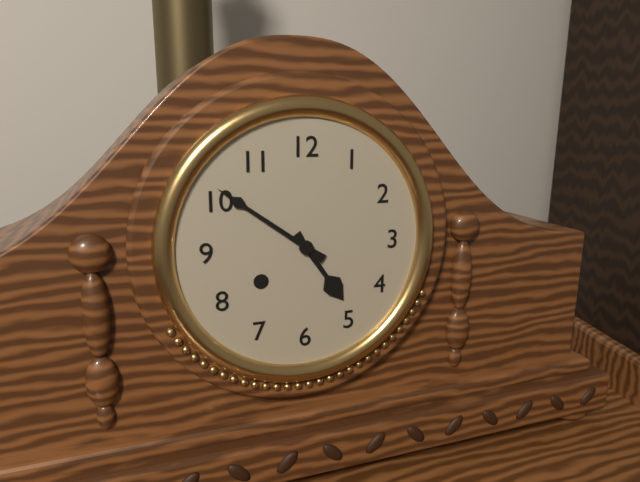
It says 4:51
